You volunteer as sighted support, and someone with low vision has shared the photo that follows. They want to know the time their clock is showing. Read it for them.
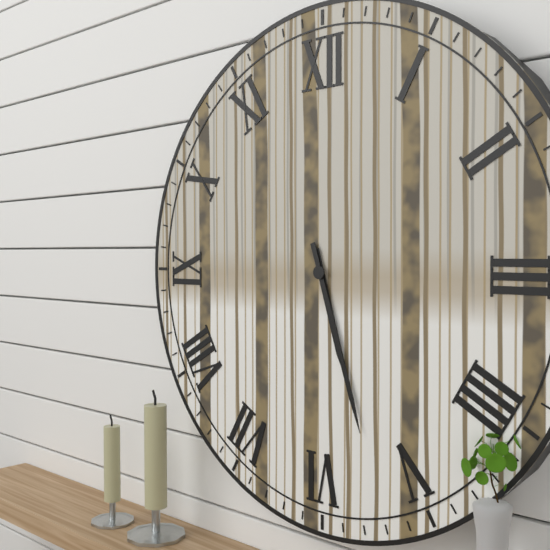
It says 5:27
